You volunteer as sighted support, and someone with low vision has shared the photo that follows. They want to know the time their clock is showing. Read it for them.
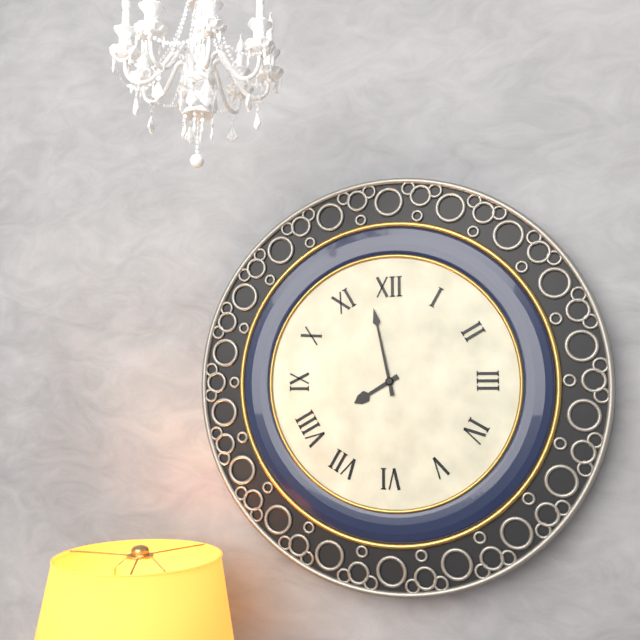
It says 7:58
